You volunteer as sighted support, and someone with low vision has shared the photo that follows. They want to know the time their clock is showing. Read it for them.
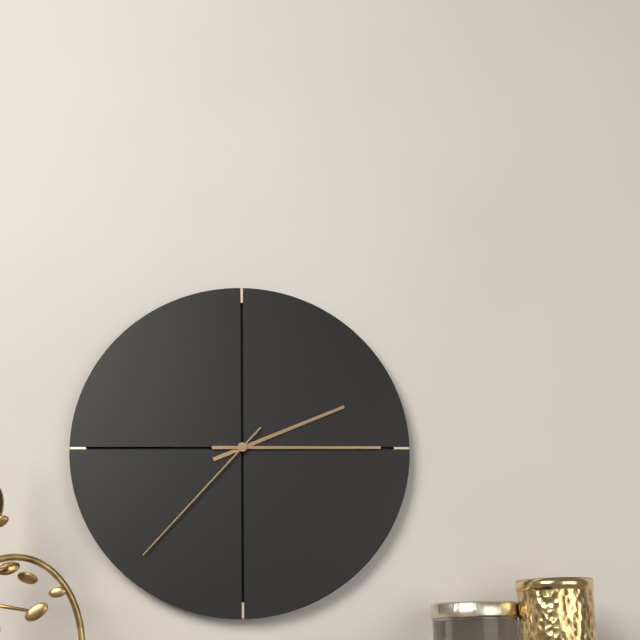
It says 2:15:37
